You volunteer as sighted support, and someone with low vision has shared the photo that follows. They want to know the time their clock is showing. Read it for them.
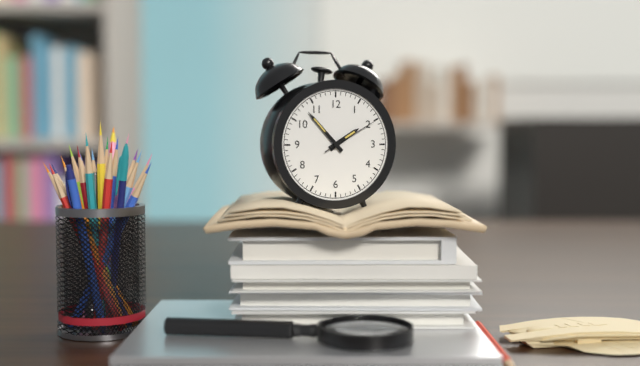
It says 1:53:10
